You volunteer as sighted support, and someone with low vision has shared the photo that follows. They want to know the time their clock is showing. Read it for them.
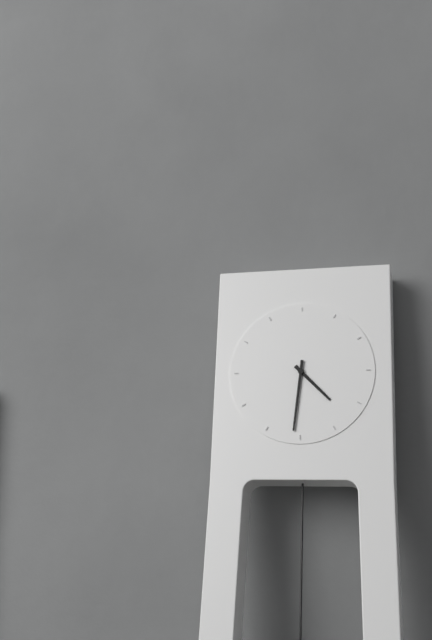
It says 4:31
